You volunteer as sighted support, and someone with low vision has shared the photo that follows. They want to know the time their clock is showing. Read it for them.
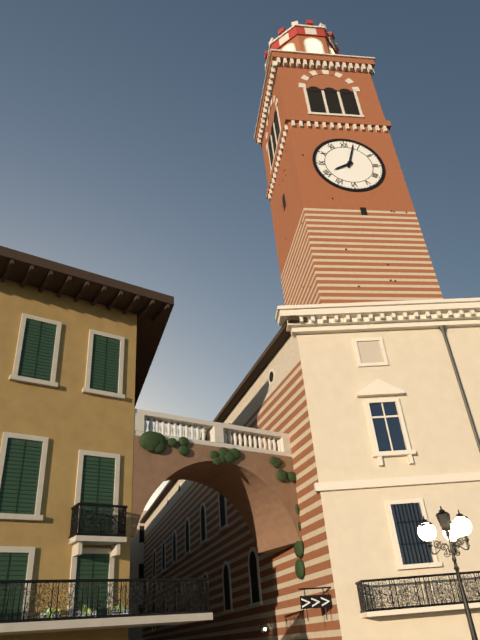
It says 8:03
